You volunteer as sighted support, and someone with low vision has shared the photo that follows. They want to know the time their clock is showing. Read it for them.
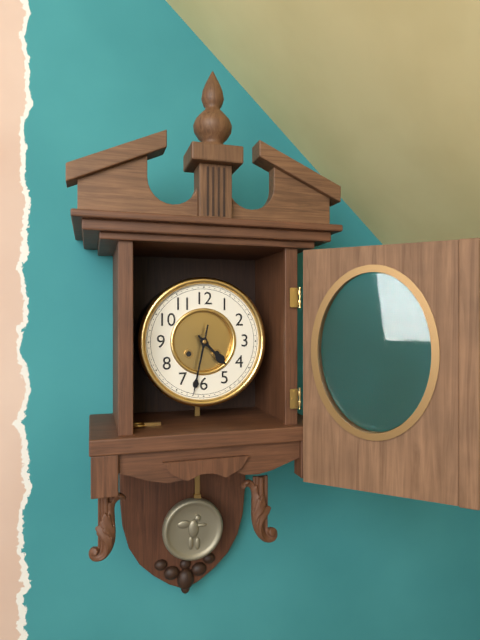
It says 4:32
